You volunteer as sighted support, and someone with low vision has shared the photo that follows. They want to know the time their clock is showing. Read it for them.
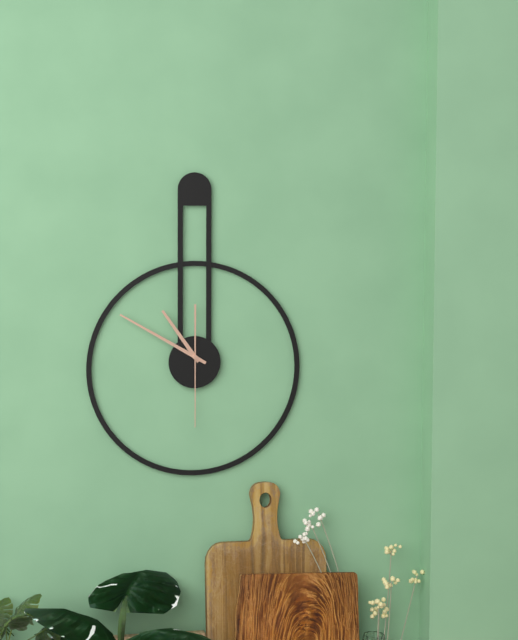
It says 10:50:30
